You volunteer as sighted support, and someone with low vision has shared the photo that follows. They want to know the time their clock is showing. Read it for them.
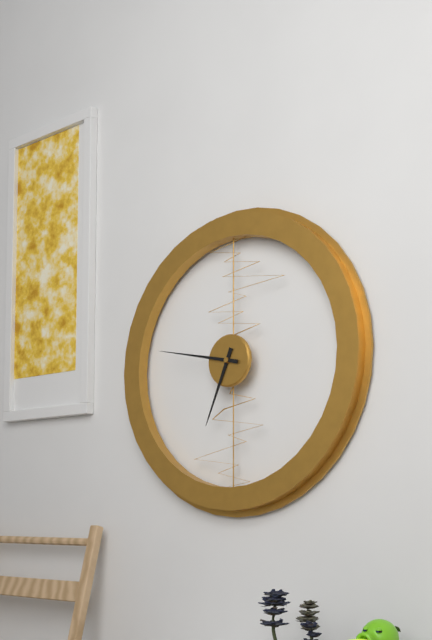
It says 6:47
